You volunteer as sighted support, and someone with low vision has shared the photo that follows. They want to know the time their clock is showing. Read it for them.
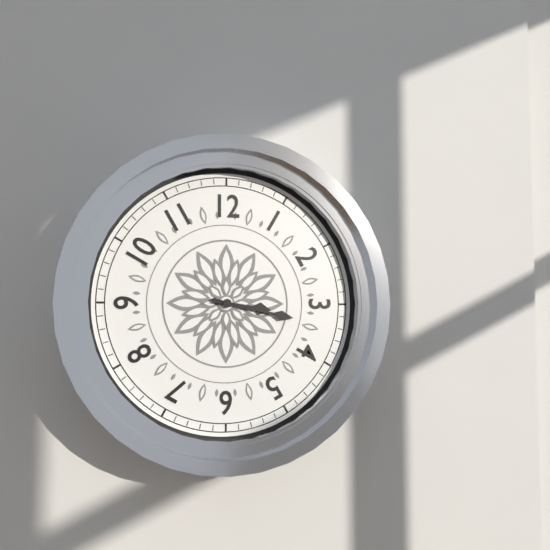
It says 3:17
